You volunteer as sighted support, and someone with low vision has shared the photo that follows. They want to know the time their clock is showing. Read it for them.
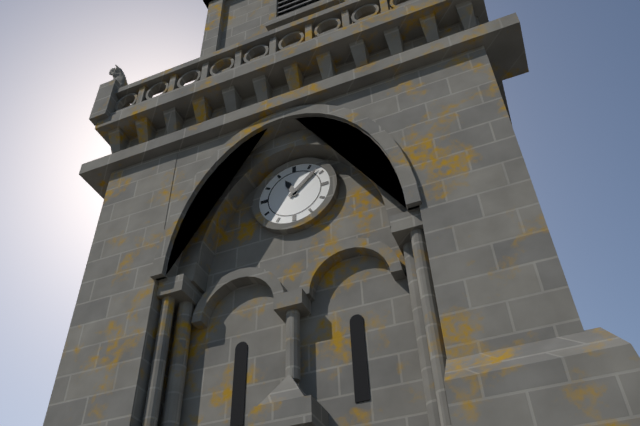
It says 11:08
